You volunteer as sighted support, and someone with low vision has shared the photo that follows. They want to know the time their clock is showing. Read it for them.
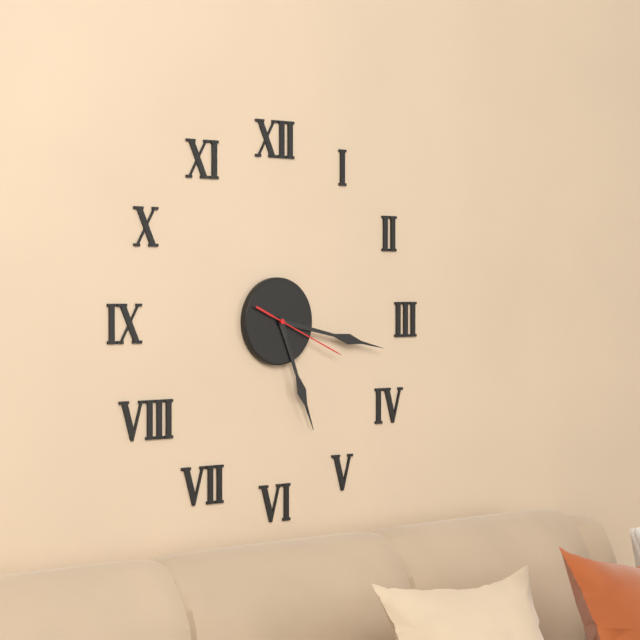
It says 5:17:19
